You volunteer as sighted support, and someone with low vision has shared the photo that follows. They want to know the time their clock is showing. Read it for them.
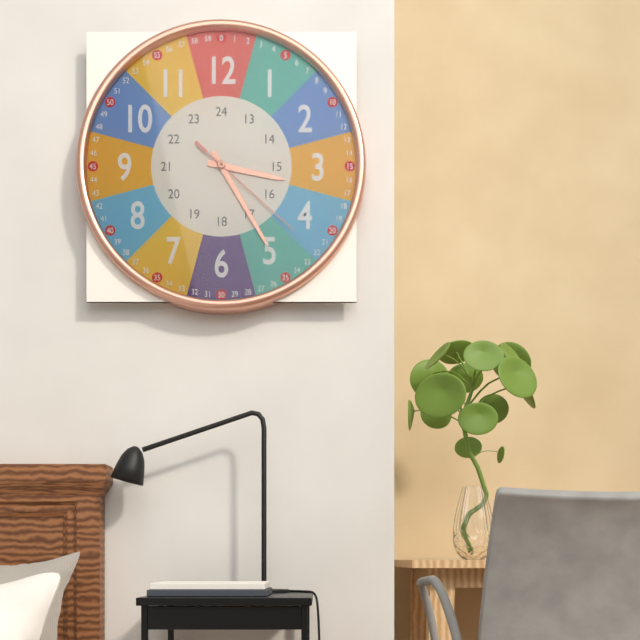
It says 3:25:22
